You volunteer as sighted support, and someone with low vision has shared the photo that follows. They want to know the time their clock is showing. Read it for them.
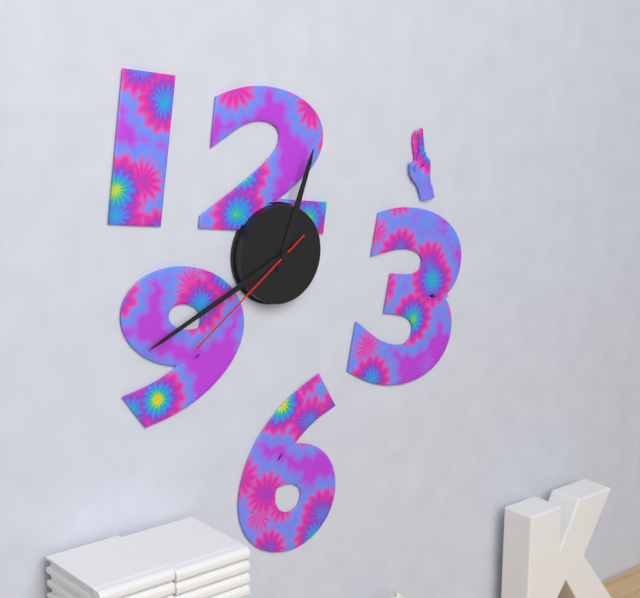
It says 12:41:39
